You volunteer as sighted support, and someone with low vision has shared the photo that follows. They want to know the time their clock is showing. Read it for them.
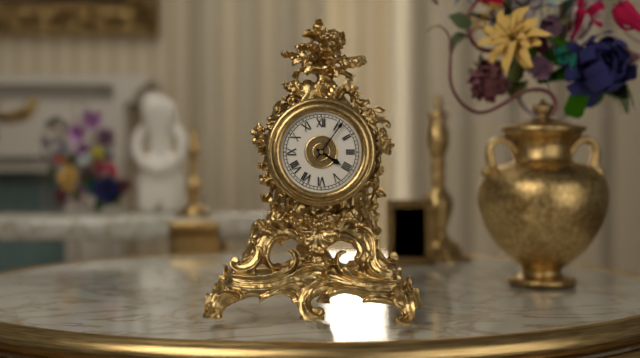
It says 4:06
